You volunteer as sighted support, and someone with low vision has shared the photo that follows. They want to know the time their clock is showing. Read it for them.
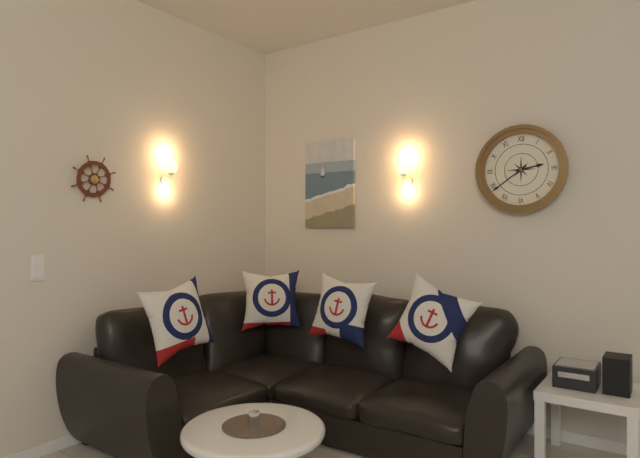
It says 2:39
